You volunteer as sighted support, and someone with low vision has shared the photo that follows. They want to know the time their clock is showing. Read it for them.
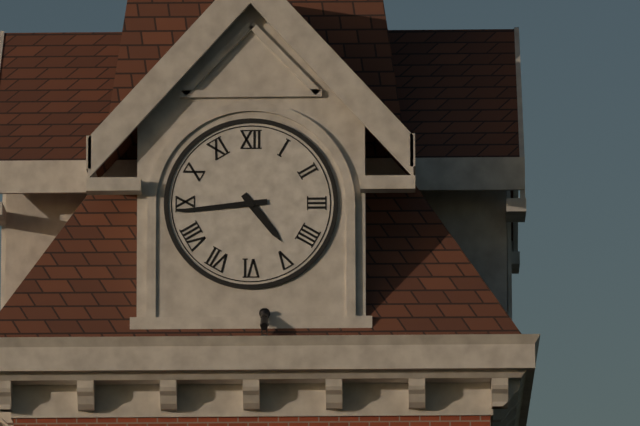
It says 4:44
